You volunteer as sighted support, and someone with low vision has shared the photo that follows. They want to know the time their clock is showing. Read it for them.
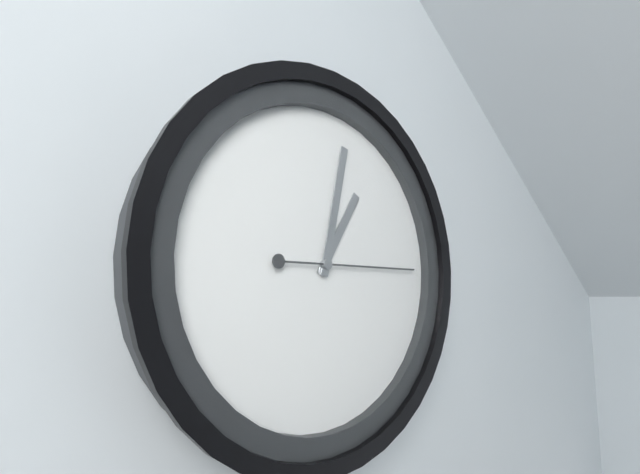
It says 1:02:15
